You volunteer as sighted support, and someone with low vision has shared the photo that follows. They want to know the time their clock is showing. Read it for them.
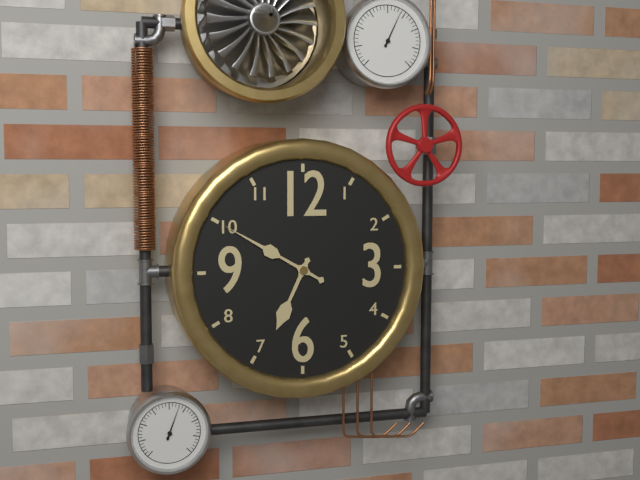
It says 6:50
